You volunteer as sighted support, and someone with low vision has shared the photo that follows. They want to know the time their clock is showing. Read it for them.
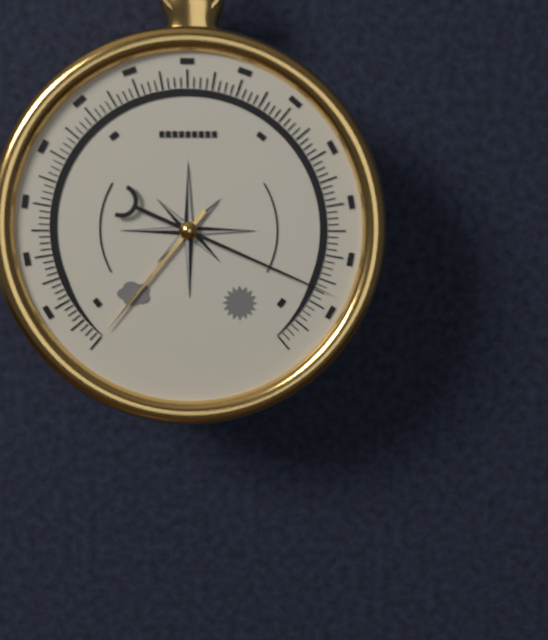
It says 7:19
